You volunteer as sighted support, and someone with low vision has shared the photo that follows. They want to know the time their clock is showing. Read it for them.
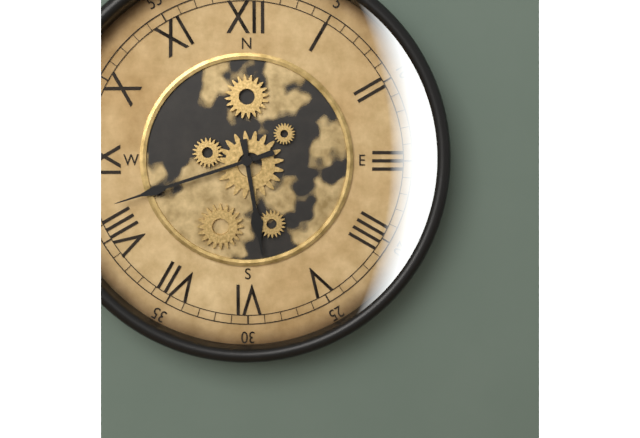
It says 5:42
